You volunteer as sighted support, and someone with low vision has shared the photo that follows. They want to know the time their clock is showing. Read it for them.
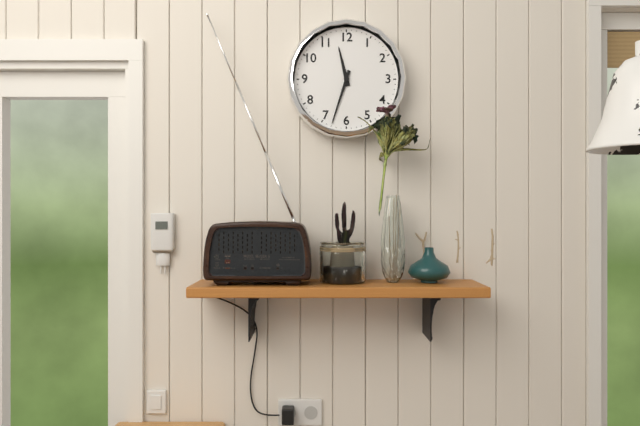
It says 11:33
